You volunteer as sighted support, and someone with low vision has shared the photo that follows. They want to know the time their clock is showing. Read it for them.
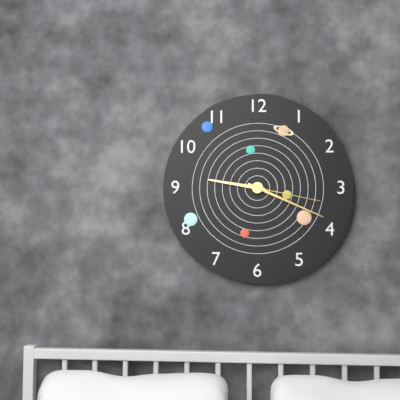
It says 9:19:17
